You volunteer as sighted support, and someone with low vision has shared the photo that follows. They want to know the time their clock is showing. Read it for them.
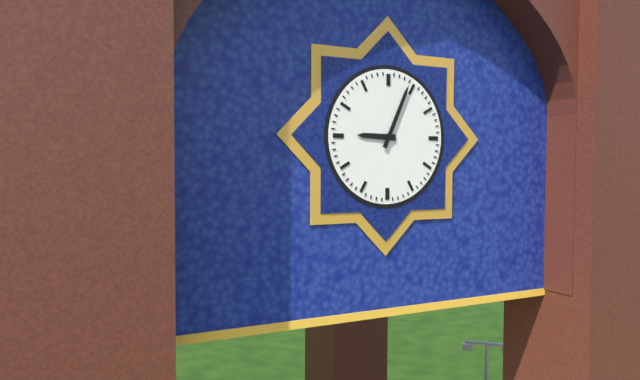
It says 9:04
